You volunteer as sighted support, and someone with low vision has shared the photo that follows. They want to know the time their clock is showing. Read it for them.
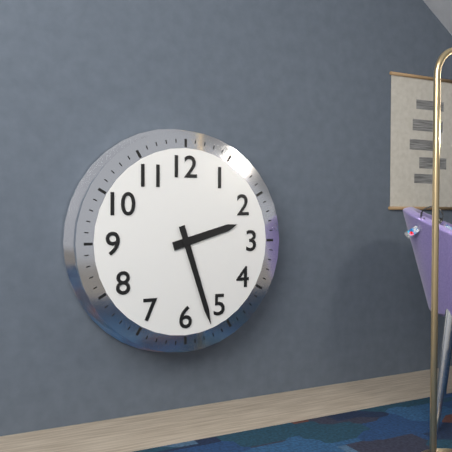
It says 2:27
